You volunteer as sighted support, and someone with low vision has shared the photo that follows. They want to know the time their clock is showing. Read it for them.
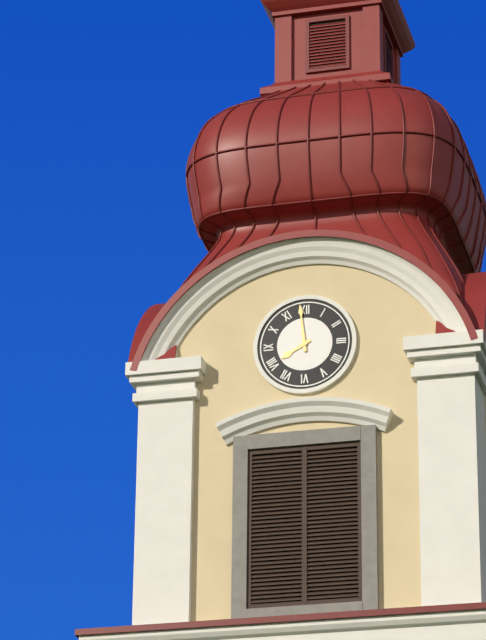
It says 7:59
